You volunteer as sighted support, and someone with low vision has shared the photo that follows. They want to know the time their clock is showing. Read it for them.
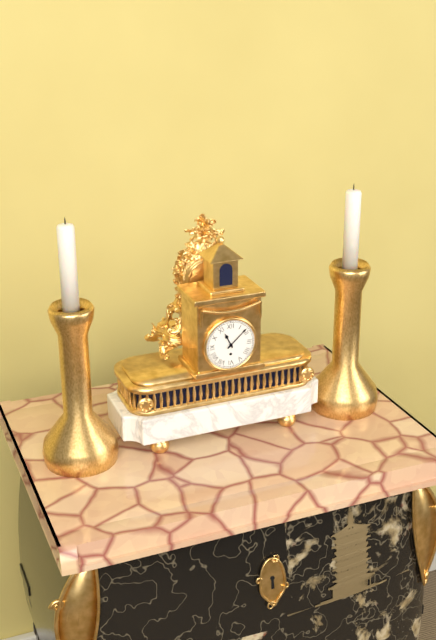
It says 11:08
